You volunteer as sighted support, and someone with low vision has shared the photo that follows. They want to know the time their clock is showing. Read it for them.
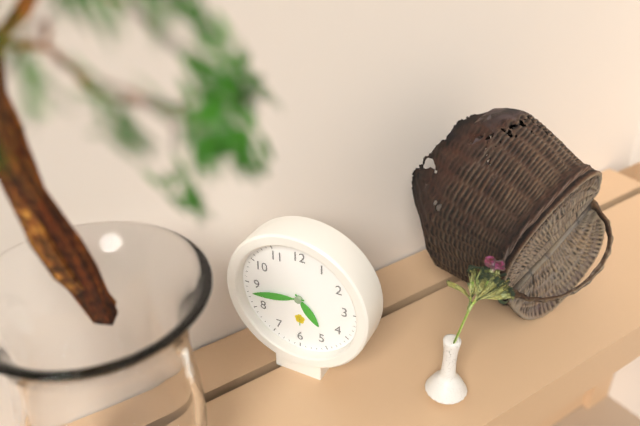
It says 4:43
